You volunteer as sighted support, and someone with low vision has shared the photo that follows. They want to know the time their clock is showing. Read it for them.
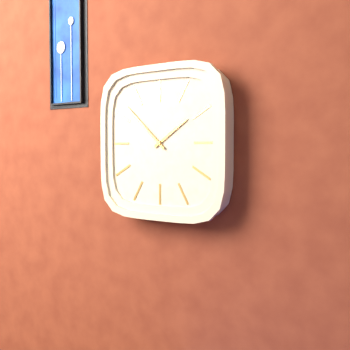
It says 1:52
